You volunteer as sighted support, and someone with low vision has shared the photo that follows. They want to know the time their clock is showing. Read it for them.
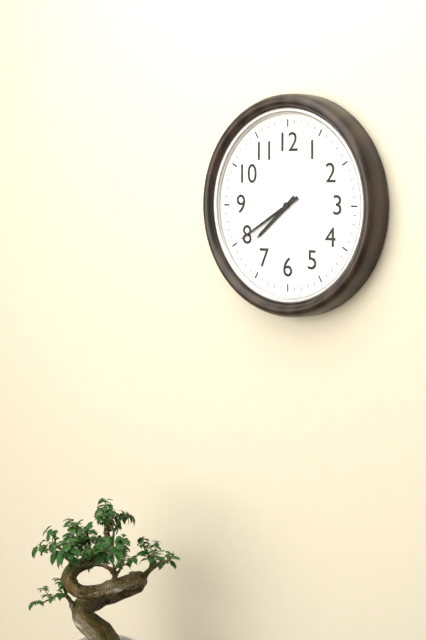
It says 7:40
